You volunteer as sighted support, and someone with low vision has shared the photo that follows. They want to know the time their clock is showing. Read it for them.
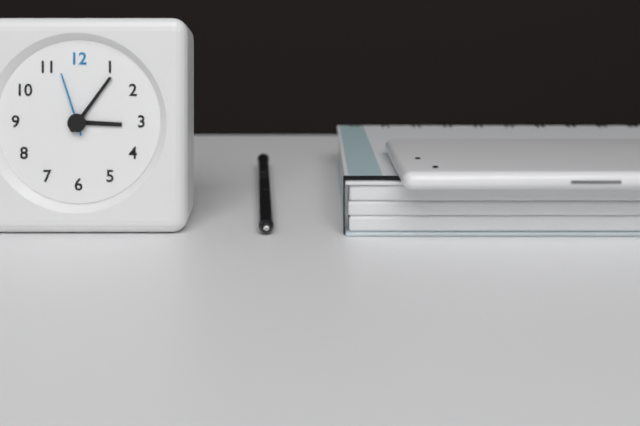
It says 3:06:57
